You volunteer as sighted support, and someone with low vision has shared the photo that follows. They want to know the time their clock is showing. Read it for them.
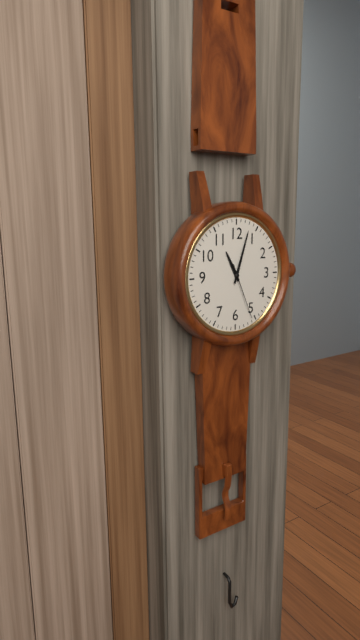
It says 11:03:26
